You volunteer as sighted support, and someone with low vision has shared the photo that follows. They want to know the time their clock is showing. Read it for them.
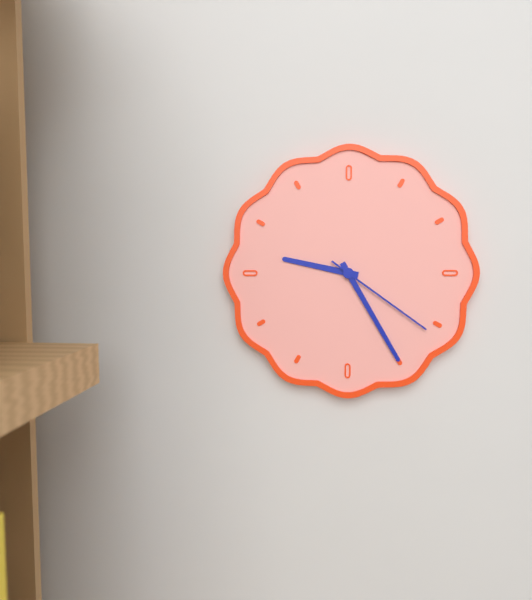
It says 9:25:21
